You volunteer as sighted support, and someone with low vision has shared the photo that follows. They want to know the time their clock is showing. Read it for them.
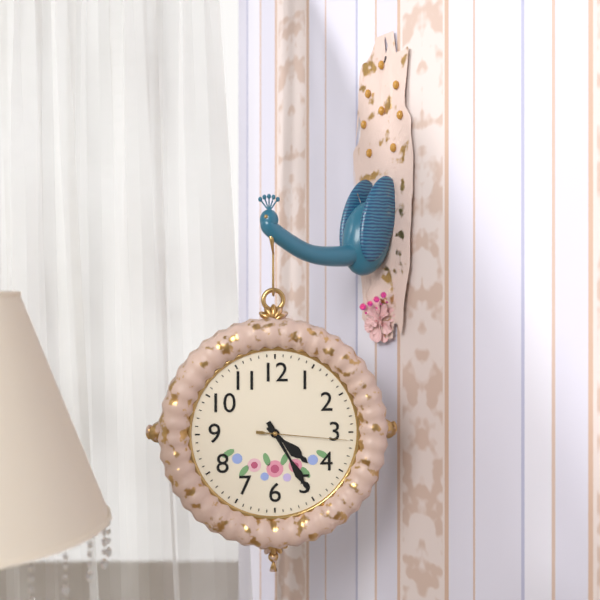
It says 4:25:16
